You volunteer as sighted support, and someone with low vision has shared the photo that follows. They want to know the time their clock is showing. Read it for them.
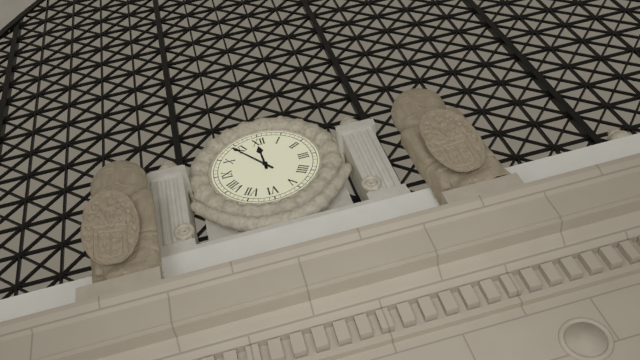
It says 11:54
